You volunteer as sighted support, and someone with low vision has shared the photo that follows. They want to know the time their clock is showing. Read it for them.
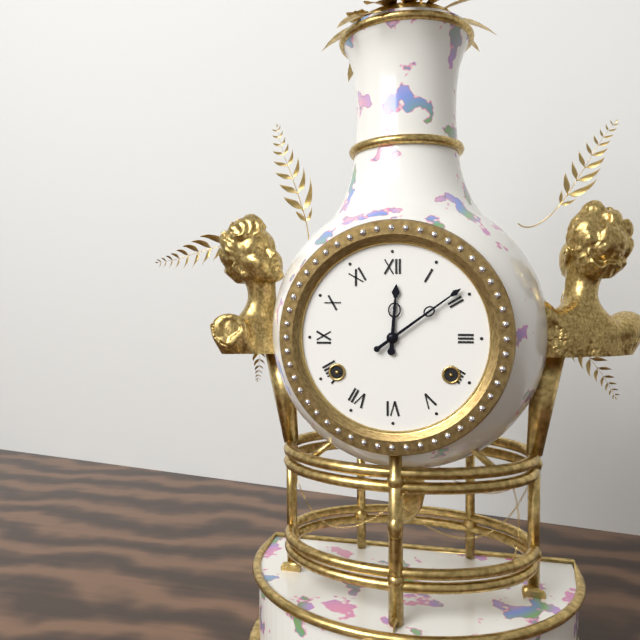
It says 12:09
